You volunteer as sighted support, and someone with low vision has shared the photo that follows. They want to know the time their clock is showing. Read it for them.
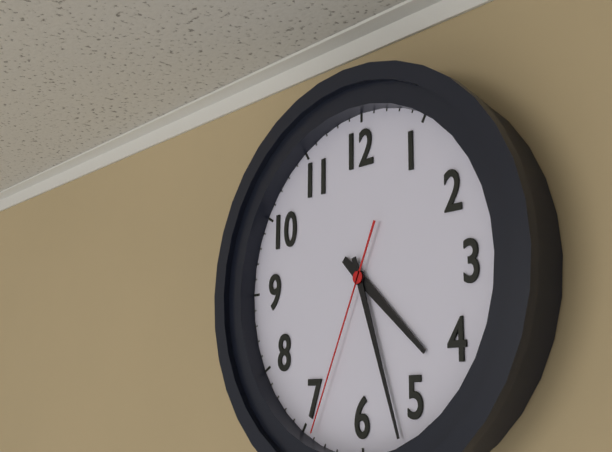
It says 4:27:34
